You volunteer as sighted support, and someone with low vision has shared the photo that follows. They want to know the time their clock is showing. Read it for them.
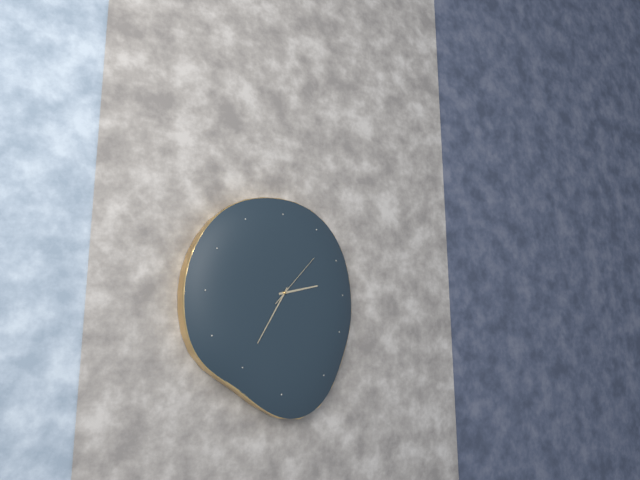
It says 2:35:07
